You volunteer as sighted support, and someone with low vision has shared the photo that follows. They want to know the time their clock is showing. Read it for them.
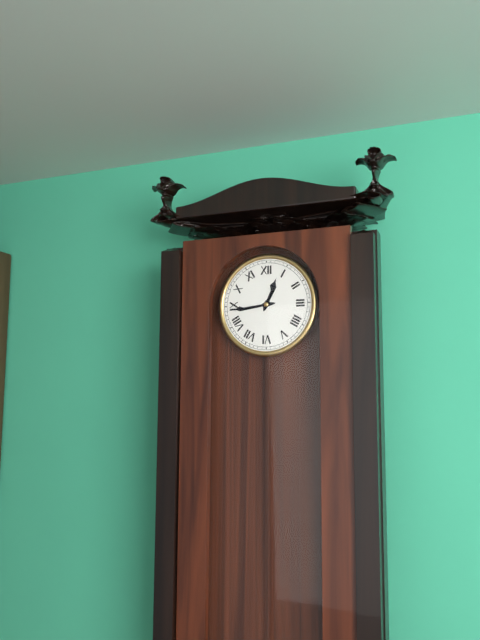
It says 12:44
